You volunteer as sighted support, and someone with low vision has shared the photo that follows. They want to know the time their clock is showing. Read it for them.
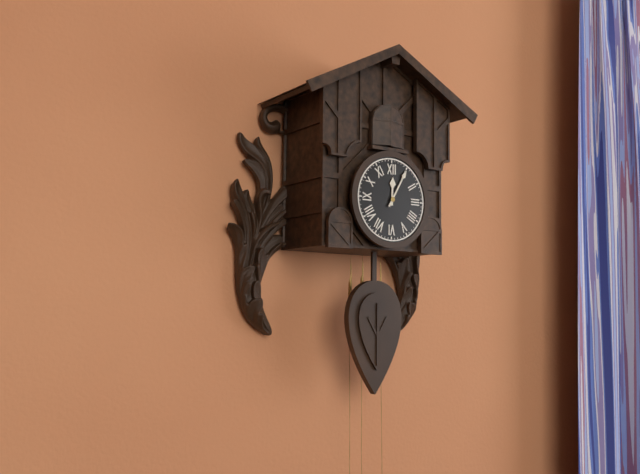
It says 12:05
